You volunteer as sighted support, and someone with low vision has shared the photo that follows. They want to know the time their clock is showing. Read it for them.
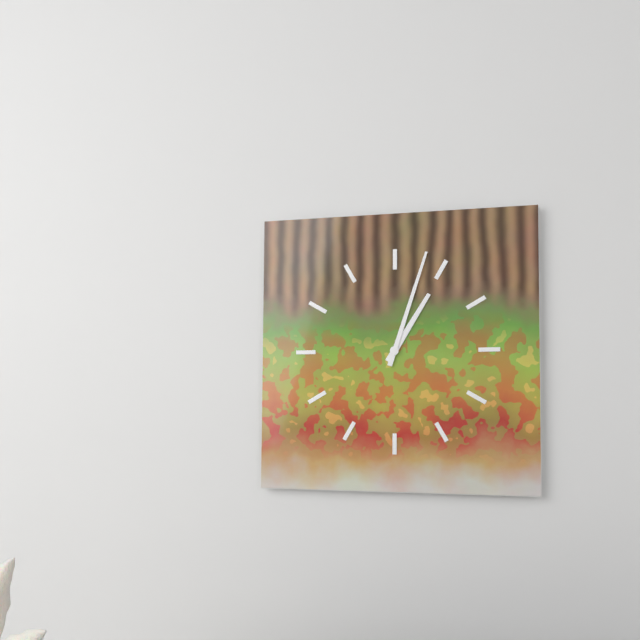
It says 1:03
